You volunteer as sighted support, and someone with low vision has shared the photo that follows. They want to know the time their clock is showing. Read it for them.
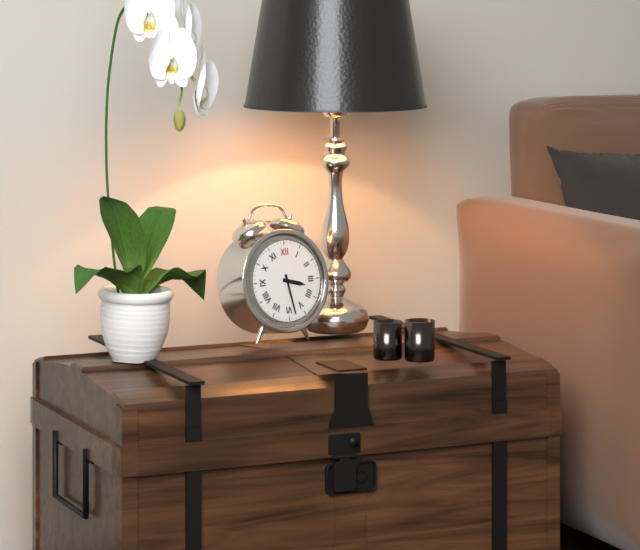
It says 3:28
